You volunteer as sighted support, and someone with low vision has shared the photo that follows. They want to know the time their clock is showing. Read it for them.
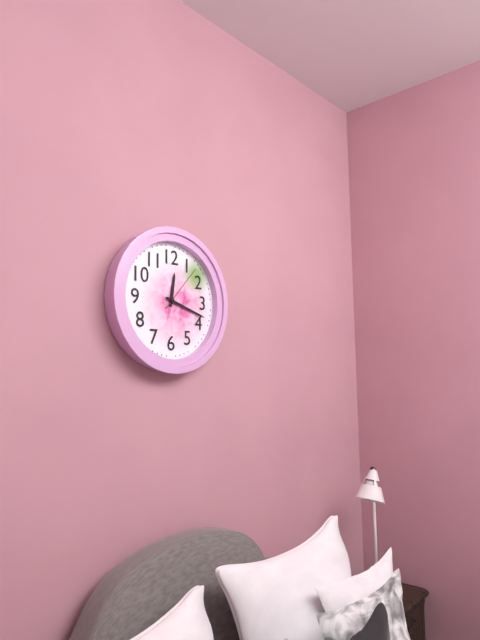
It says 12:18
